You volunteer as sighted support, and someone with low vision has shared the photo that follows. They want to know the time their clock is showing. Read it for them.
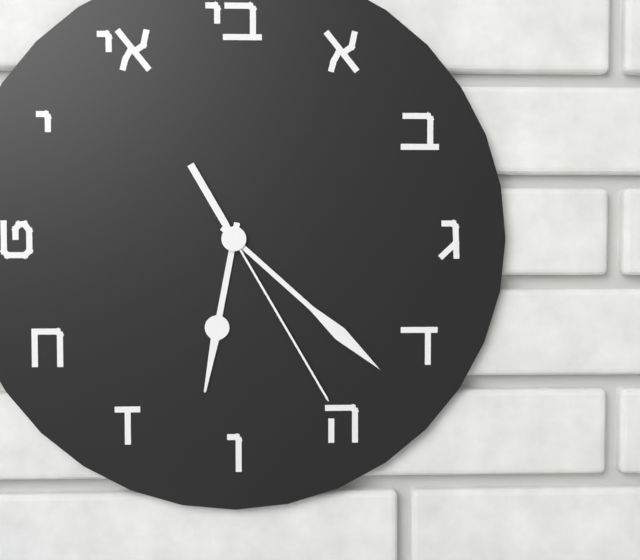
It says 6:22:25
